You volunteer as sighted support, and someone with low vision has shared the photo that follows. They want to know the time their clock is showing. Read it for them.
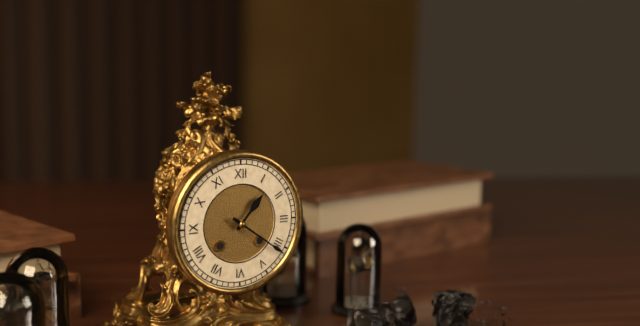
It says 1:21
